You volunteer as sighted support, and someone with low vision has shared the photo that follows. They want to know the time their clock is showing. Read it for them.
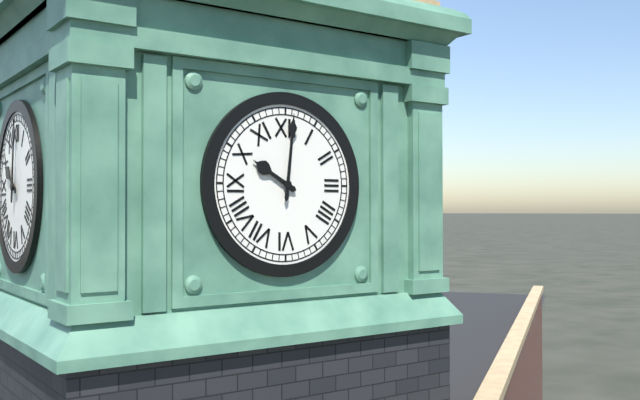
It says 10:01
